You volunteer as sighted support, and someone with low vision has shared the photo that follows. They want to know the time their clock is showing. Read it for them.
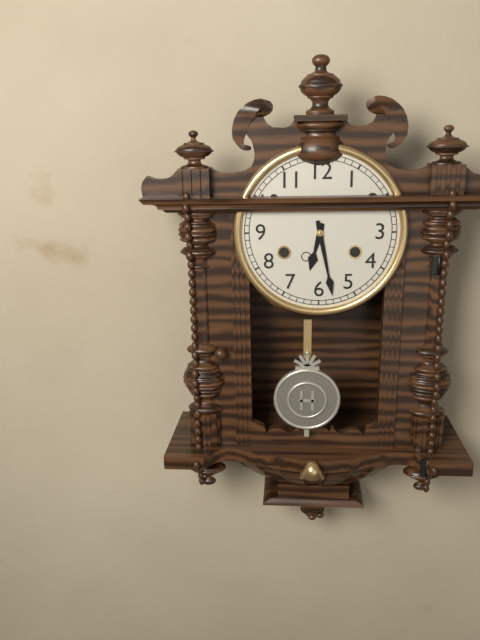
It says 6:28
